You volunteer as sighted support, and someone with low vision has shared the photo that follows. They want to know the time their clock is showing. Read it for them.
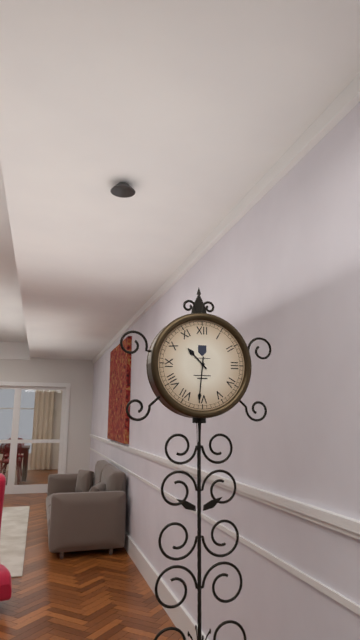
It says 10:31
